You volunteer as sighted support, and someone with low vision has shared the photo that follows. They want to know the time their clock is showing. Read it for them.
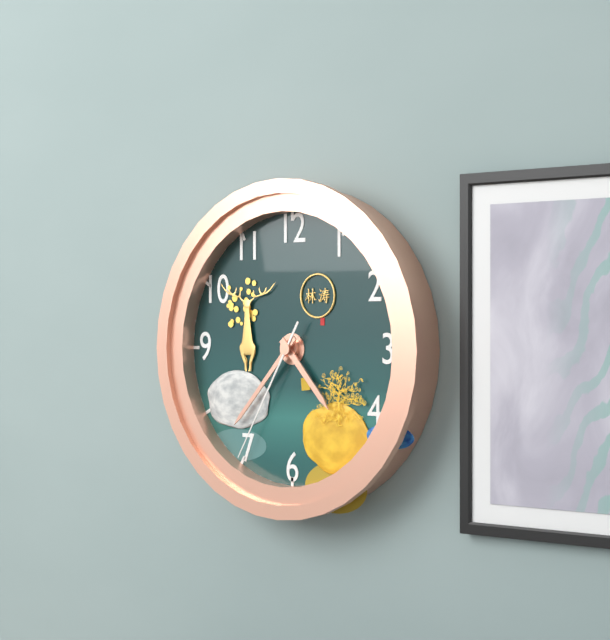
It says 4:37:35
